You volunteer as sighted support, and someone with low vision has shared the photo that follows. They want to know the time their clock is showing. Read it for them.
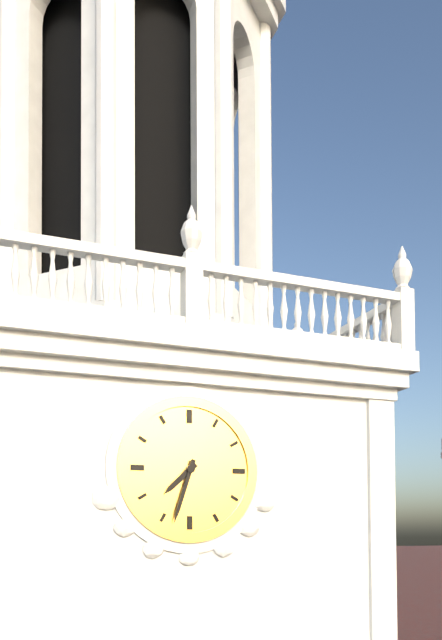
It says 7:33
